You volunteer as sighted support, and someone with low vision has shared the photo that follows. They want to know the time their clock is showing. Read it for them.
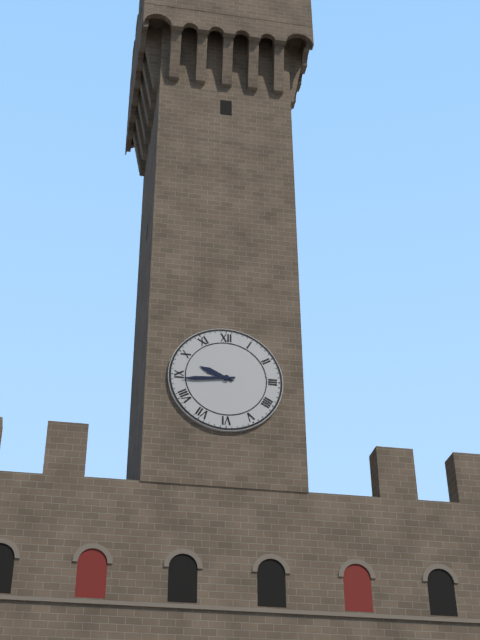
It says 9:44
